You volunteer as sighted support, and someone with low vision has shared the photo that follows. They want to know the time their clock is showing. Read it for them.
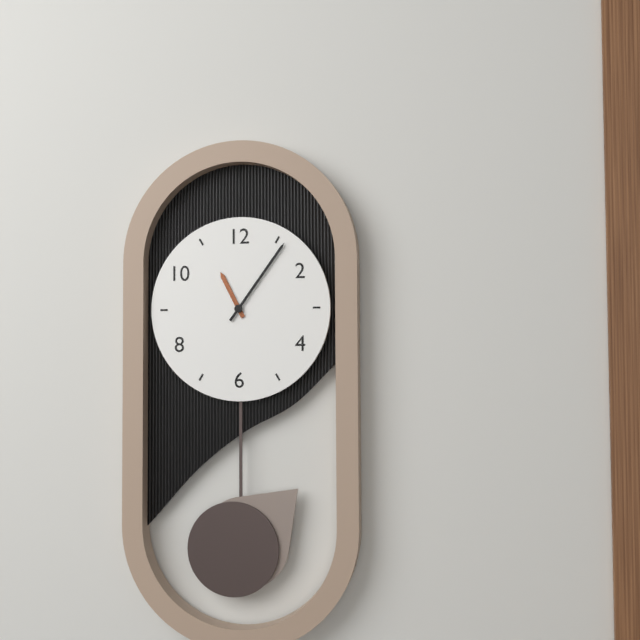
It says 11:06
